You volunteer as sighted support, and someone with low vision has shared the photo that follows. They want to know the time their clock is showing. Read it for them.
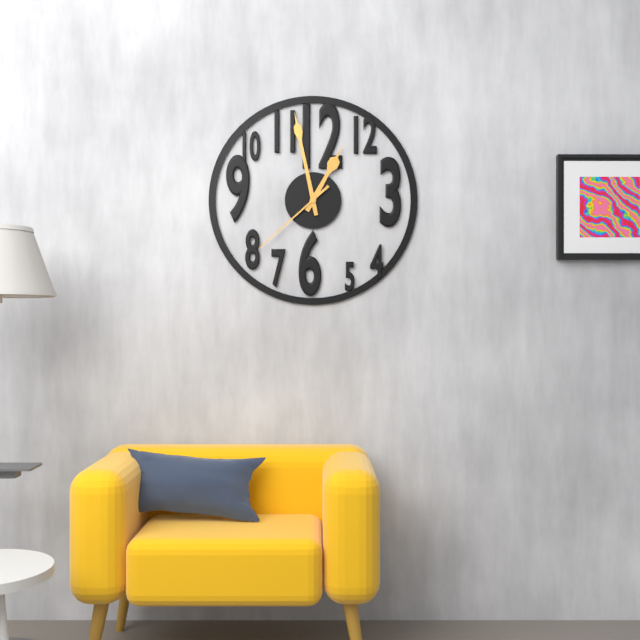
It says 12:58:38
